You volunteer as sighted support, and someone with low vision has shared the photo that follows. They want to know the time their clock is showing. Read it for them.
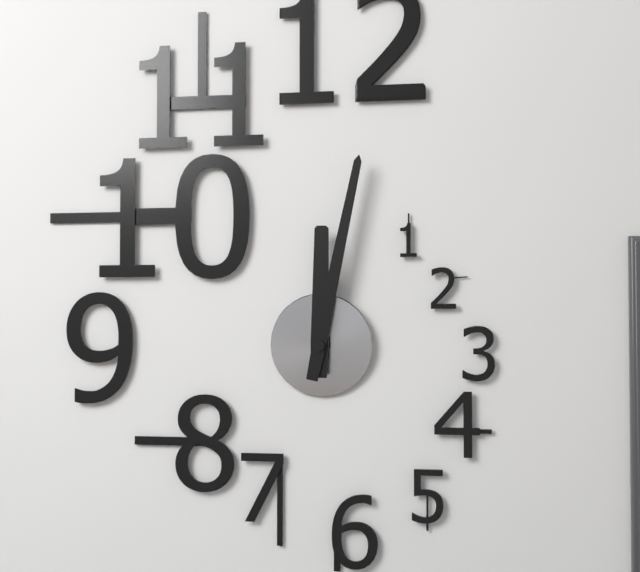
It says 12:02
